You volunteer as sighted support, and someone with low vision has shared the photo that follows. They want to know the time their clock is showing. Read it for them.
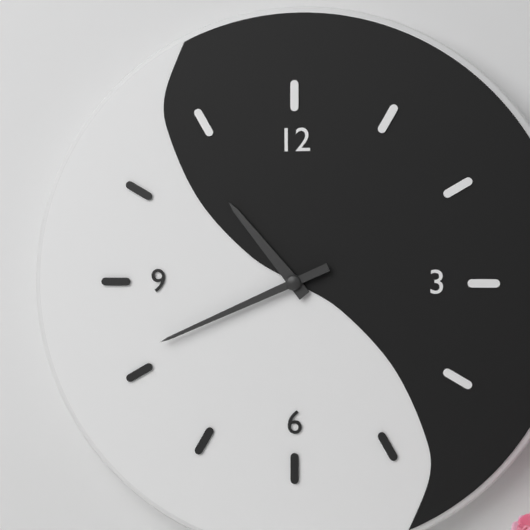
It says 10:41
